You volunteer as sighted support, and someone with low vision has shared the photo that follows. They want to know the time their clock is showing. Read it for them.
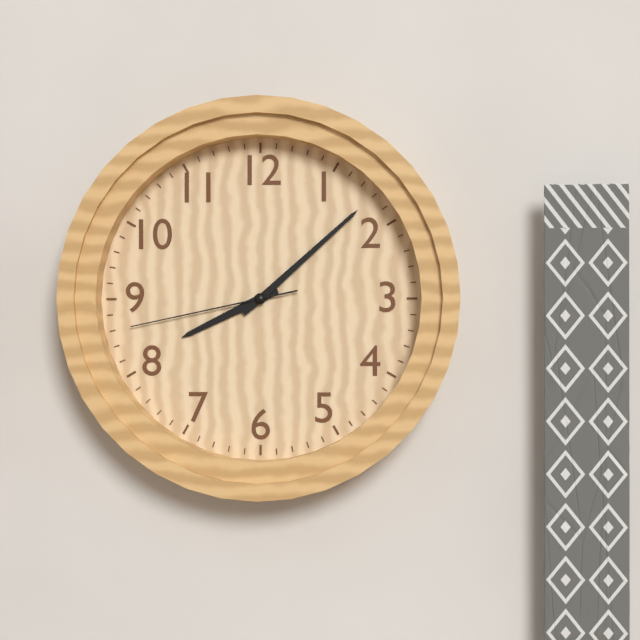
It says 8:08:43
